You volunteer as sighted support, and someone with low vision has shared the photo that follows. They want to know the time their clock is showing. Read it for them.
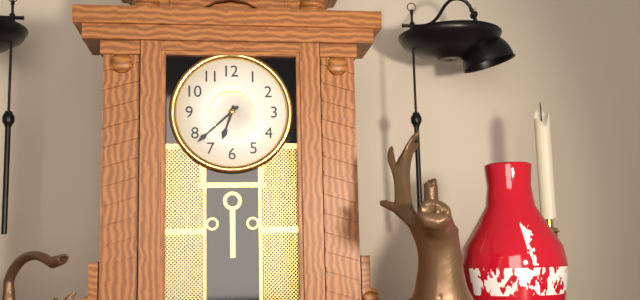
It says 6:38
